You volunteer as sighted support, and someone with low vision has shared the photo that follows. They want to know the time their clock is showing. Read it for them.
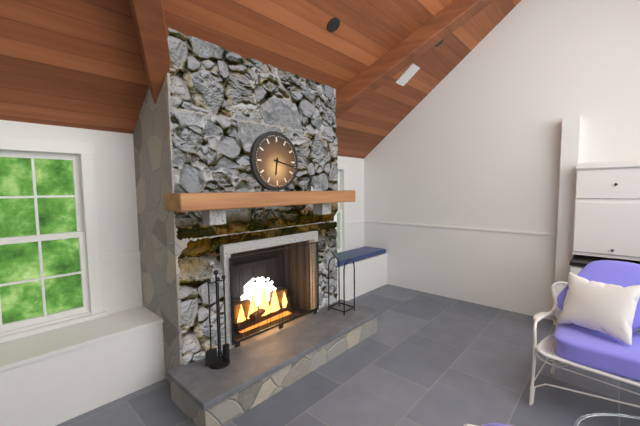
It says 6:17
